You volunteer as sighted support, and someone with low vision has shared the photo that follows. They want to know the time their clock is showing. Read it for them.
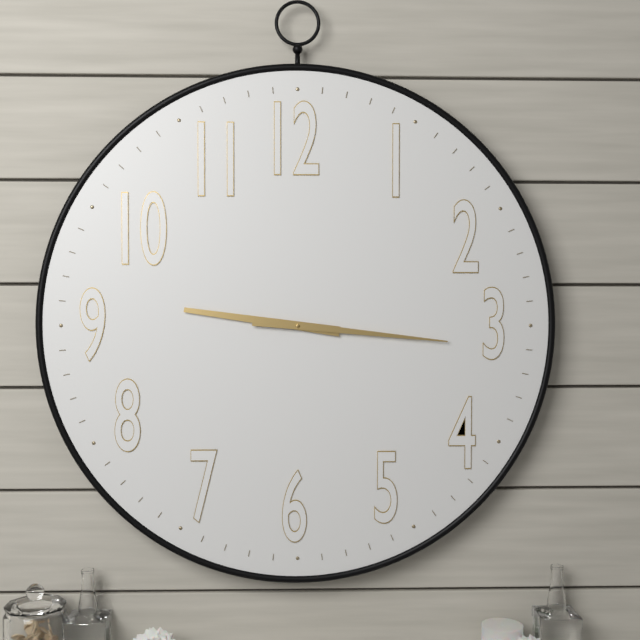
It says 9:16
